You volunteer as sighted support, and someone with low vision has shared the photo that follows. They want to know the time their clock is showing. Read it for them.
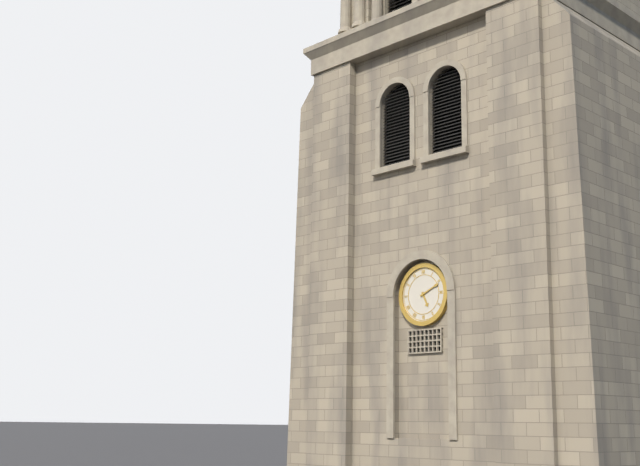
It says 5:11
